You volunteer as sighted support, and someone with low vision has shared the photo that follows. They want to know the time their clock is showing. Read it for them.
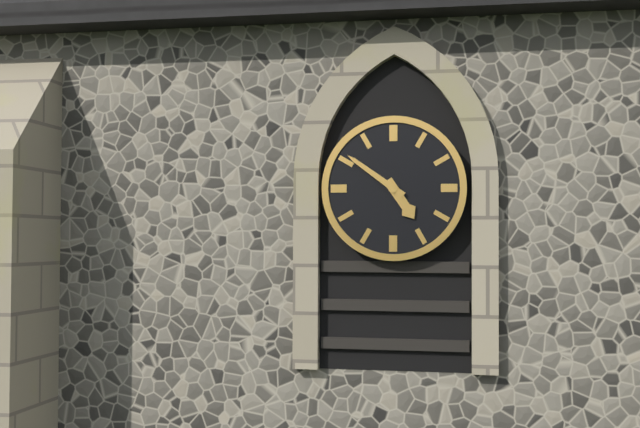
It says 4:51
